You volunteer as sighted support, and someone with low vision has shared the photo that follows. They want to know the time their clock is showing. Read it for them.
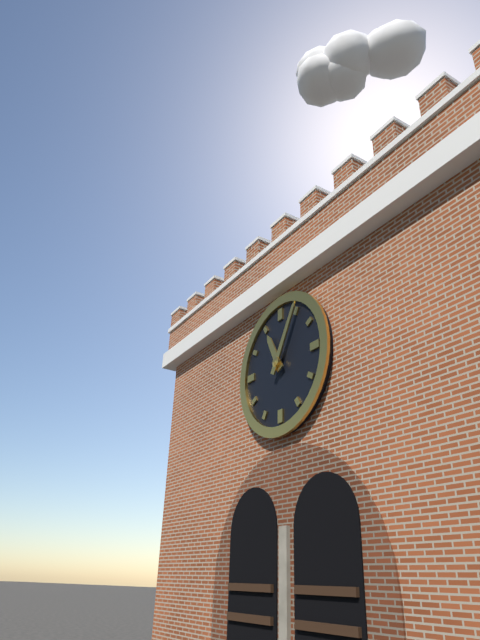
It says 11:05
